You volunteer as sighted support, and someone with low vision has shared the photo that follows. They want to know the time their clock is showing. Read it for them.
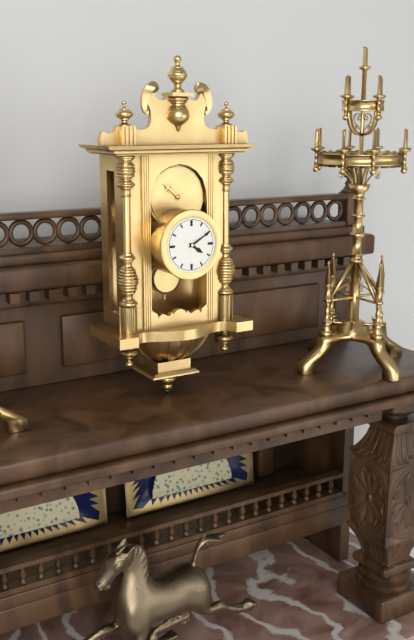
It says 4:10
